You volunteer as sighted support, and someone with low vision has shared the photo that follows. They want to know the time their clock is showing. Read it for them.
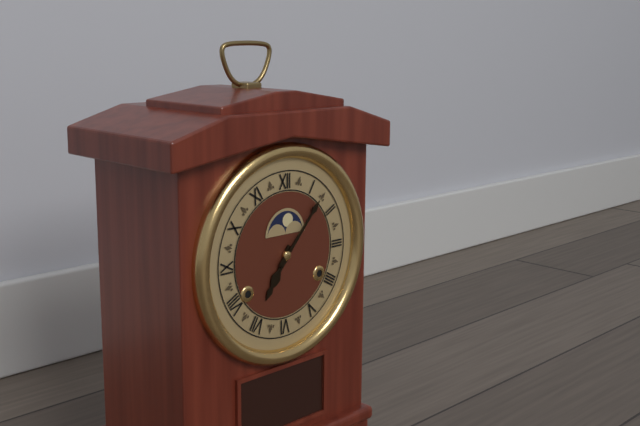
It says 7:07
